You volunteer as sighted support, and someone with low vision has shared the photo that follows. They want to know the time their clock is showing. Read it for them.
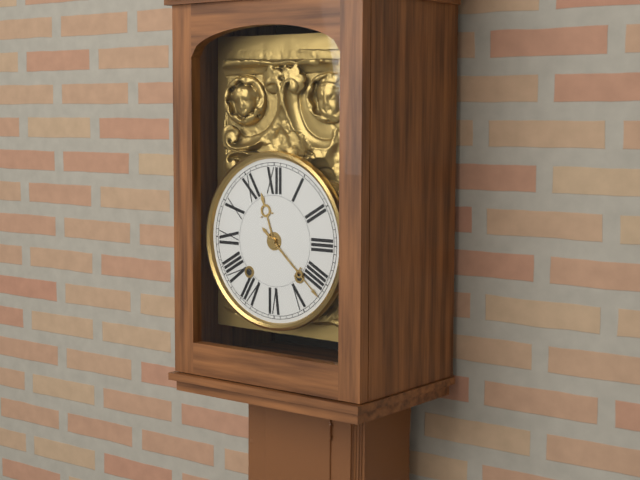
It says 11:22
